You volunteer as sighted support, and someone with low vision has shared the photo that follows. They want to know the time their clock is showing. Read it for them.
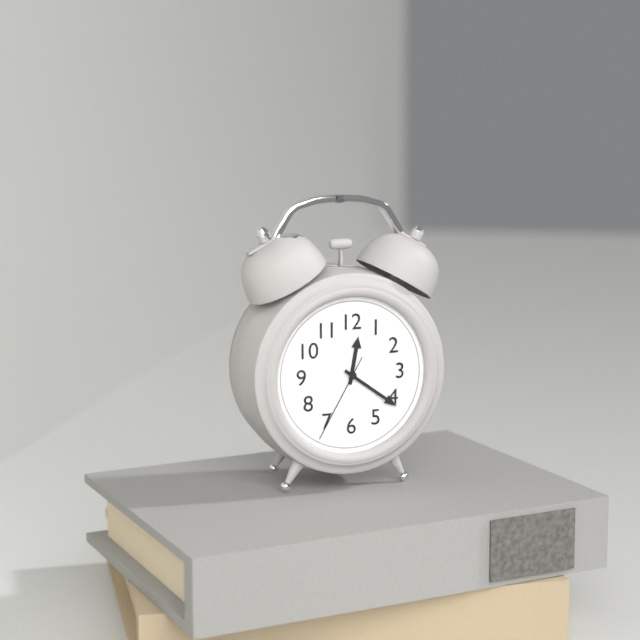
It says 12:21:35
